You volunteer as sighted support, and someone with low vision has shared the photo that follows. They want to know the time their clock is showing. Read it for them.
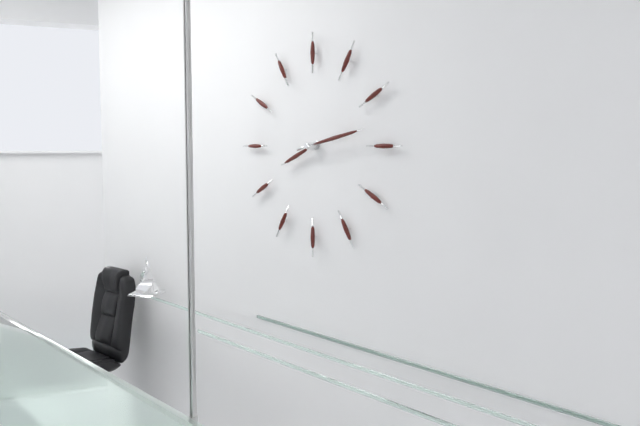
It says 8:13
